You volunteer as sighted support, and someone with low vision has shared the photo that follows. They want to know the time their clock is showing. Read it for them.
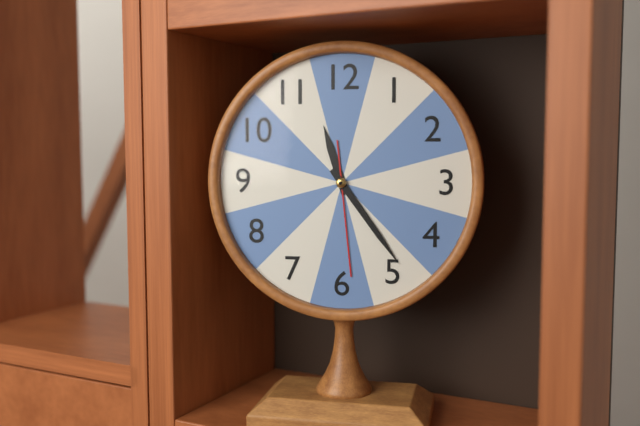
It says 11:24:29
